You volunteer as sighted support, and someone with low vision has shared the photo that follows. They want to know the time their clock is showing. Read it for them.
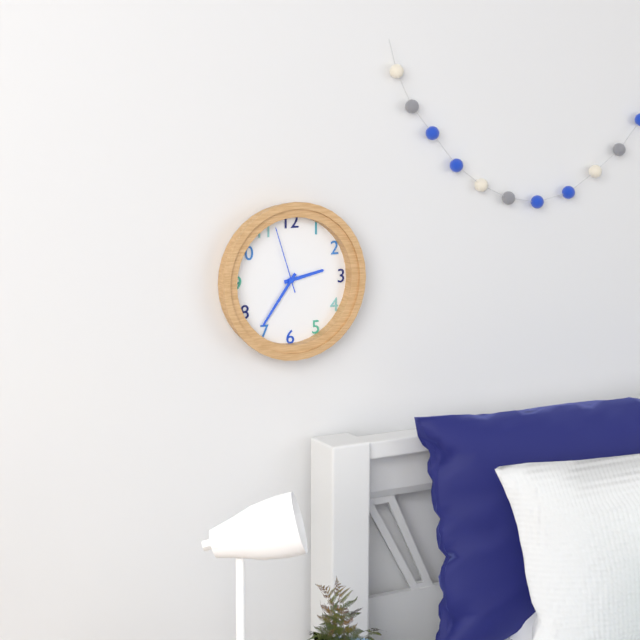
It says 2:36:57
